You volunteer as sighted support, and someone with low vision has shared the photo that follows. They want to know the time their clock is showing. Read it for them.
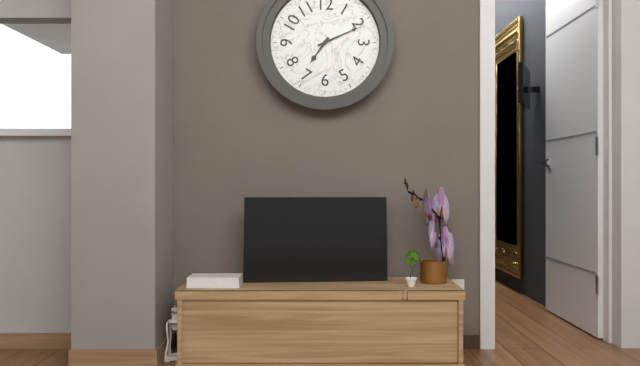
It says 7:11
